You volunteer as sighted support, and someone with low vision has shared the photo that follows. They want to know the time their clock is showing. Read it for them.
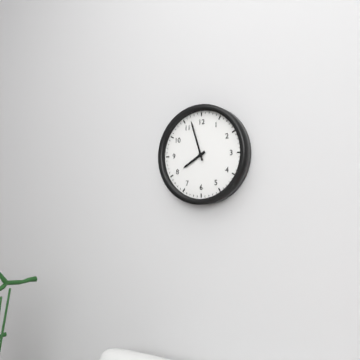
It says 7:57
